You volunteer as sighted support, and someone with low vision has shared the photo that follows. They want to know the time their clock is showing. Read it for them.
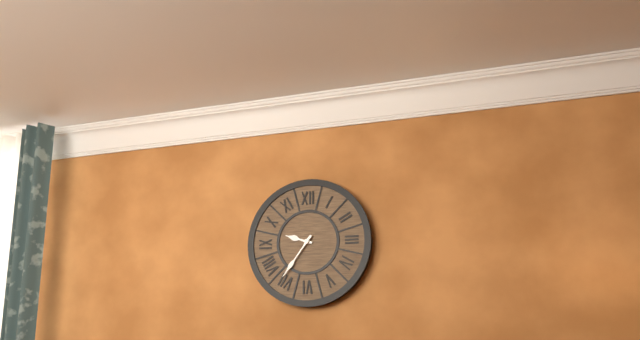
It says 9:36
